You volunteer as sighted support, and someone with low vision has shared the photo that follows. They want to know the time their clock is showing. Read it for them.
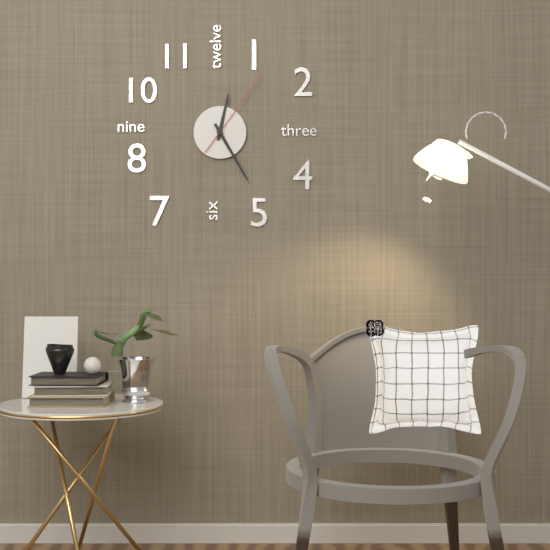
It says 12:25:06
